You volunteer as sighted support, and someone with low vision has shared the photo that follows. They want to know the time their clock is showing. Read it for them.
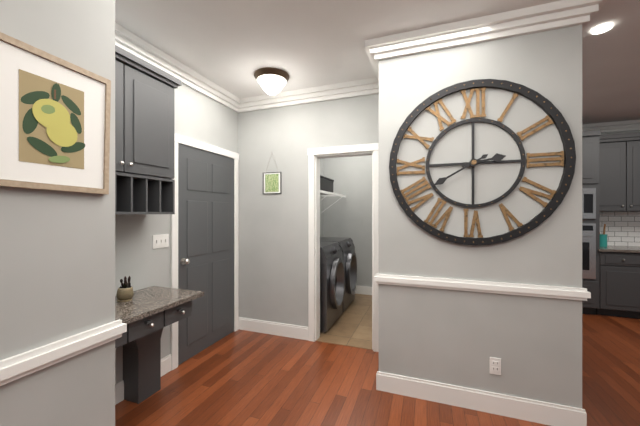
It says 2:40
